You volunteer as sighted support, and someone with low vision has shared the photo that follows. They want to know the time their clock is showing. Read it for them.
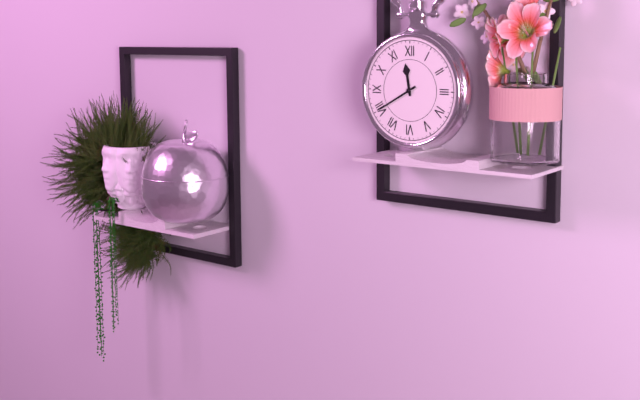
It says 11:40
